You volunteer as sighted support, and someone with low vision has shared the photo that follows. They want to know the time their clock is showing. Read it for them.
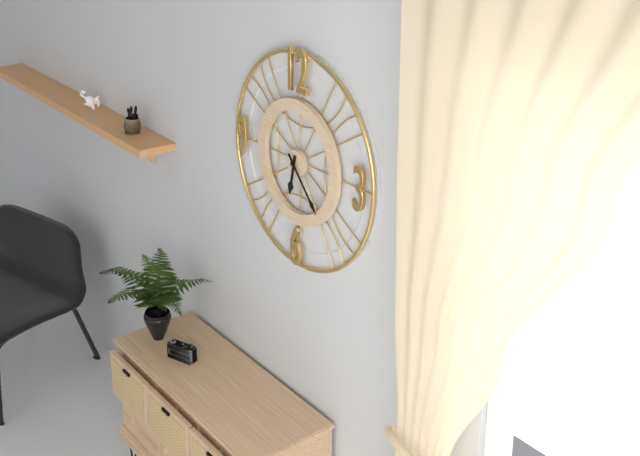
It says 6:23
